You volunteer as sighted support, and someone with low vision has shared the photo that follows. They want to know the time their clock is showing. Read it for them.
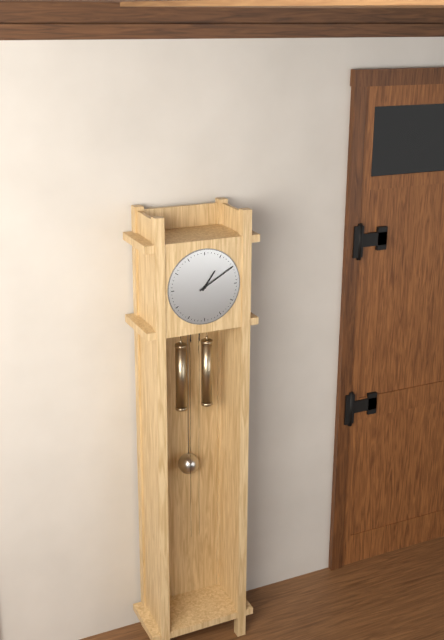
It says 1:10
